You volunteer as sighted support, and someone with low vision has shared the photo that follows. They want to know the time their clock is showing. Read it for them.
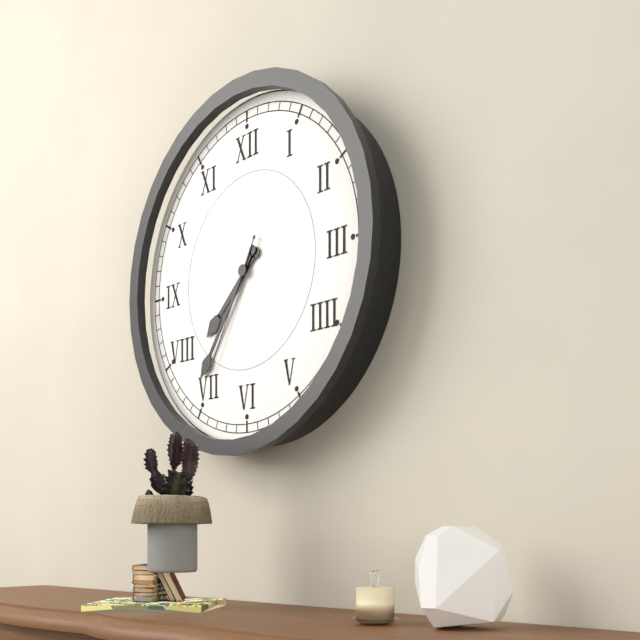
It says 7:36:35
